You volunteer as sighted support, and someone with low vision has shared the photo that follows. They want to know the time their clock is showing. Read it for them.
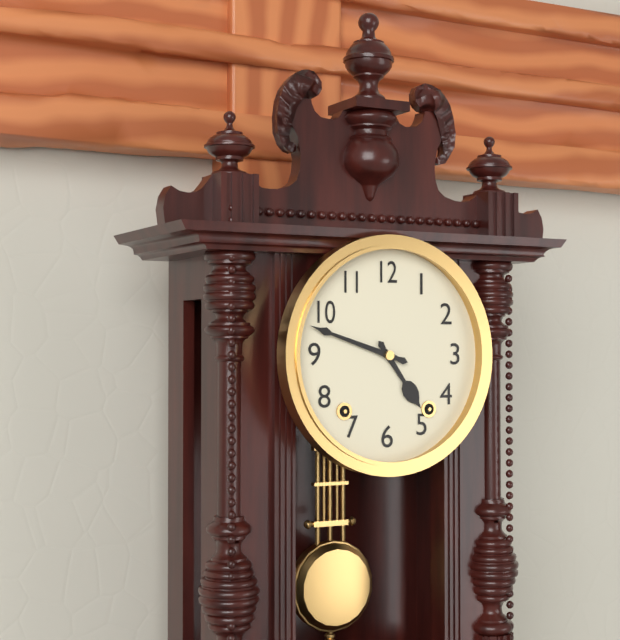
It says 4:48
